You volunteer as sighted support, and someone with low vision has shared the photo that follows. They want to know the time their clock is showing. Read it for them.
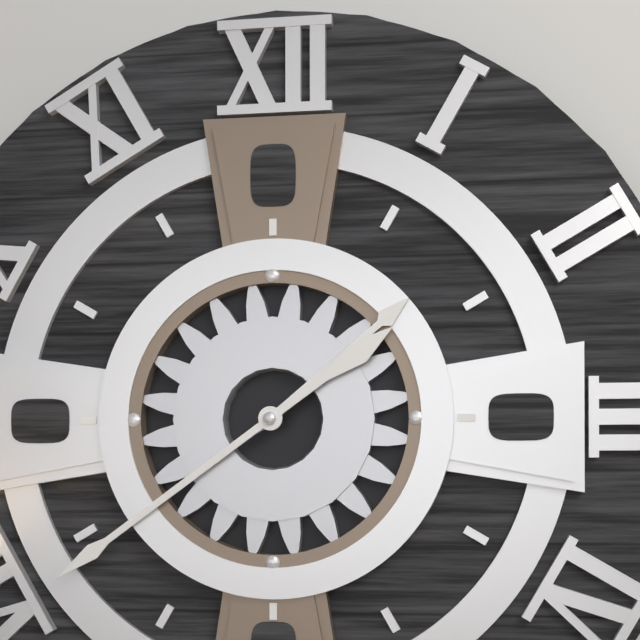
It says 1:39
